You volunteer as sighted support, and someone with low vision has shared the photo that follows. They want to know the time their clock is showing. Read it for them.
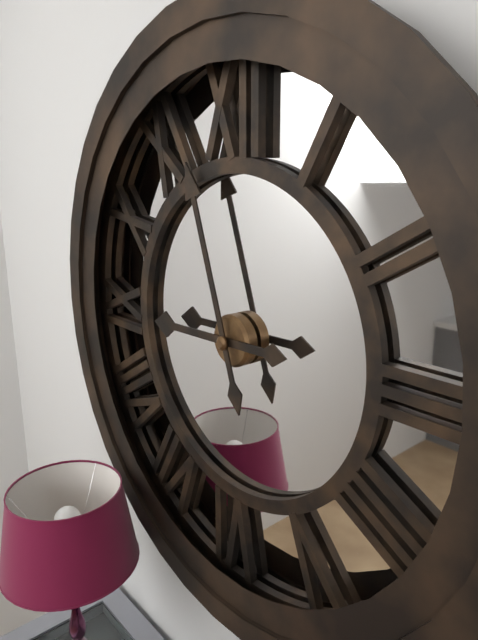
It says 8:57
